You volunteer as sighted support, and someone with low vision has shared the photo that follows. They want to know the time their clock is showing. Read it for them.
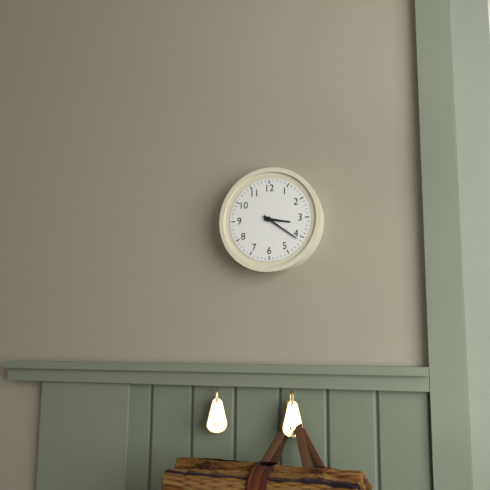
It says 3:21
